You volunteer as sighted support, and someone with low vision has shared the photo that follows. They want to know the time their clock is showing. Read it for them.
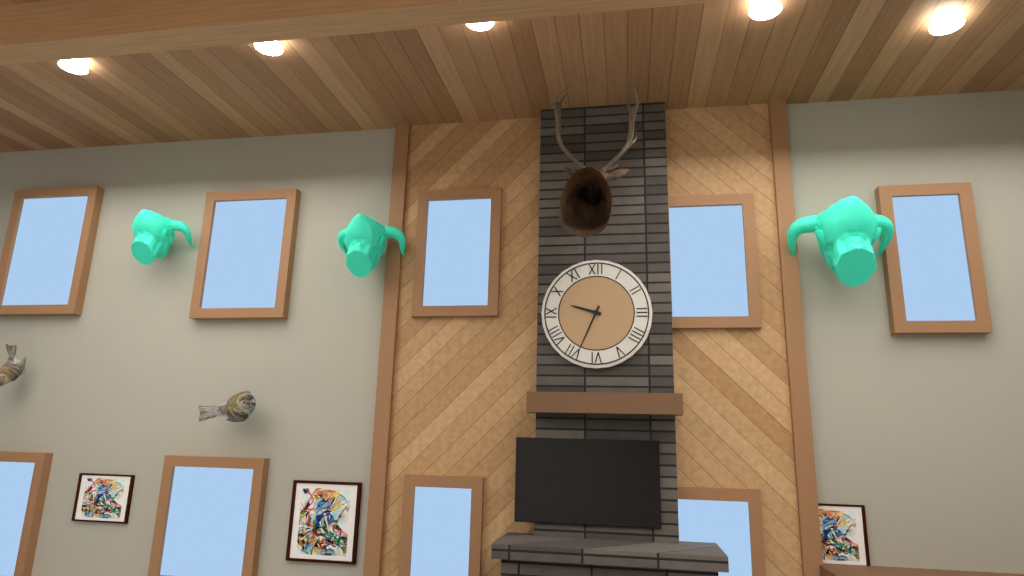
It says 9:34
